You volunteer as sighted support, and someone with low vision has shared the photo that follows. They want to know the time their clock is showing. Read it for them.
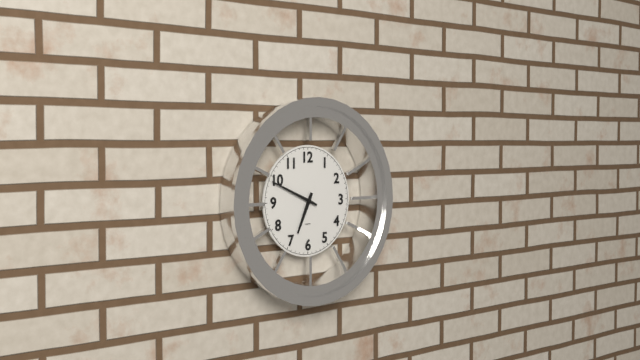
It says 6:49
